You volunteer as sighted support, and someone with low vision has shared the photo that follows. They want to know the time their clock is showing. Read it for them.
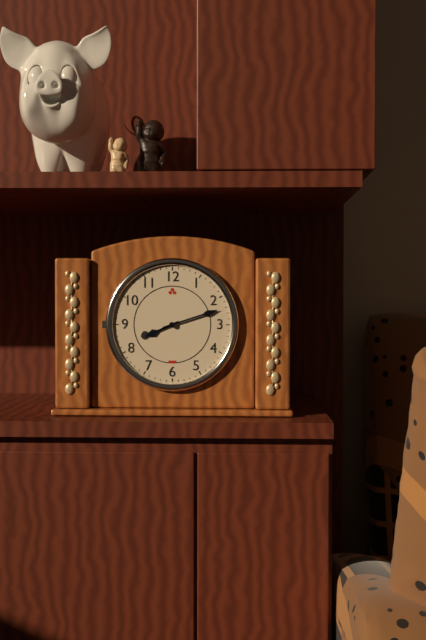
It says 8:12
